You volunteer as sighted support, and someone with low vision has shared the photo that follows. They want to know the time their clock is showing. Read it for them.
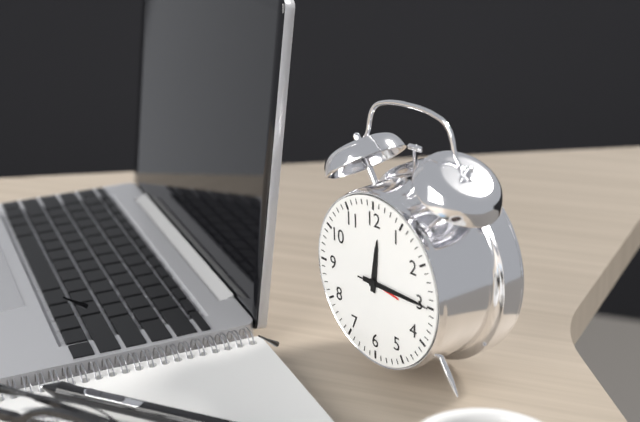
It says 12:15:15
